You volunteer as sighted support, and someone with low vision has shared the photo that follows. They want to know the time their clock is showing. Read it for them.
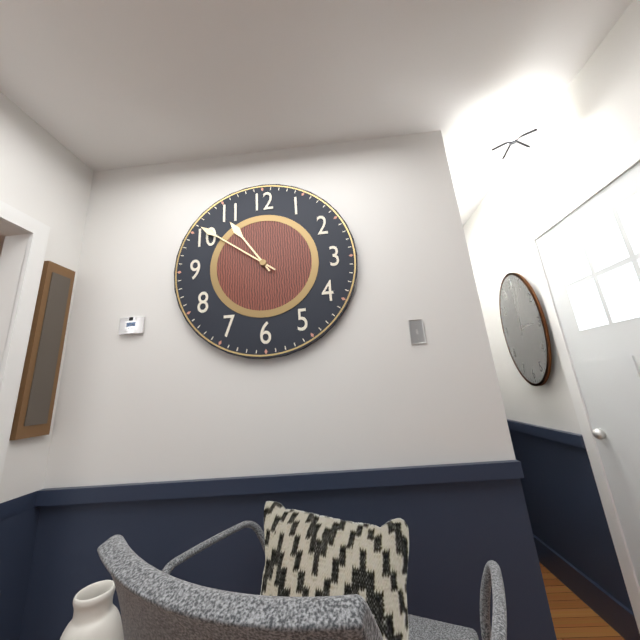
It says 10:51
